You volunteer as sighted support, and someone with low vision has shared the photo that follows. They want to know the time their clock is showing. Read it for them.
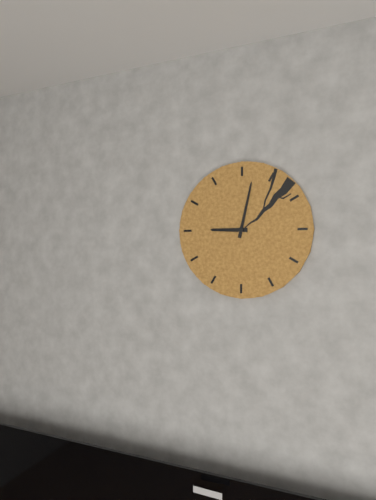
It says 9:02
